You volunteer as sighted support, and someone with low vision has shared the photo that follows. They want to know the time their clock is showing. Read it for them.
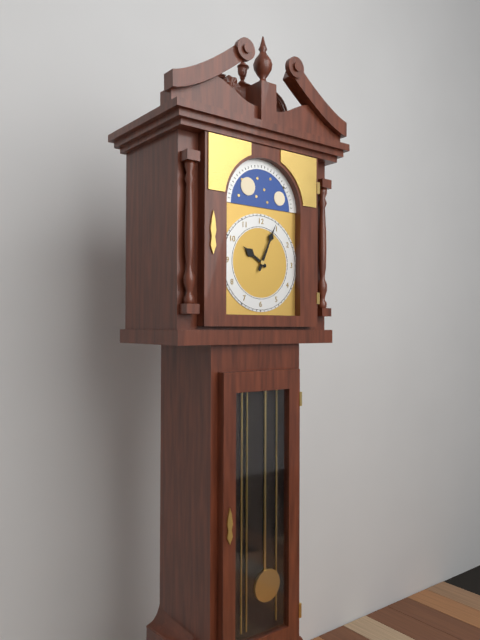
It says 10:04
